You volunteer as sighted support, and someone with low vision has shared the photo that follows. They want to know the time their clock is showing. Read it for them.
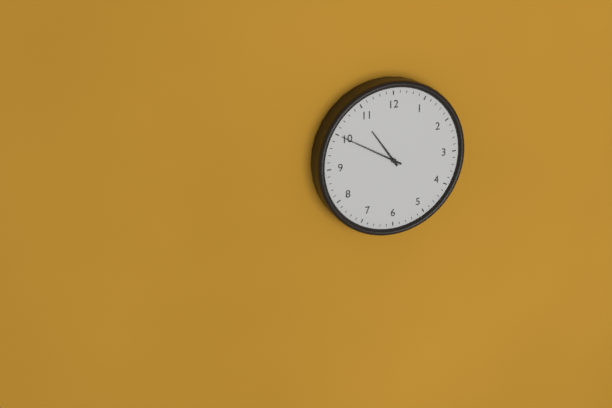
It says 10:50
